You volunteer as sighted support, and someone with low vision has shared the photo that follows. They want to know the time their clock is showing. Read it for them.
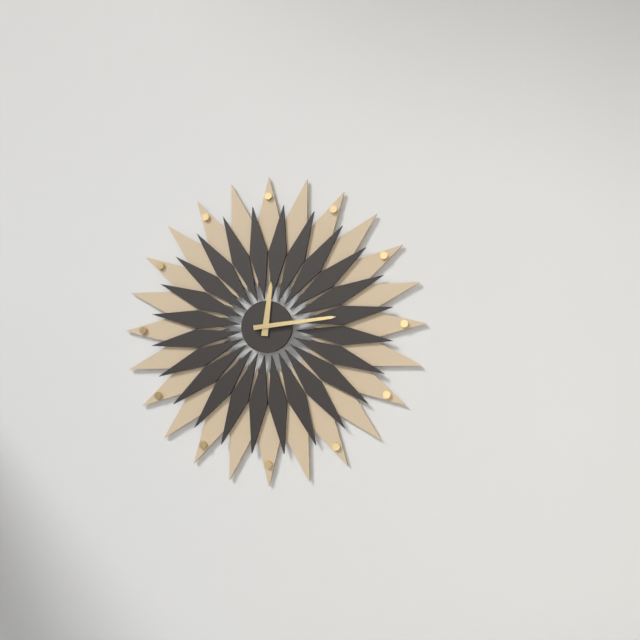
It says 12:14
